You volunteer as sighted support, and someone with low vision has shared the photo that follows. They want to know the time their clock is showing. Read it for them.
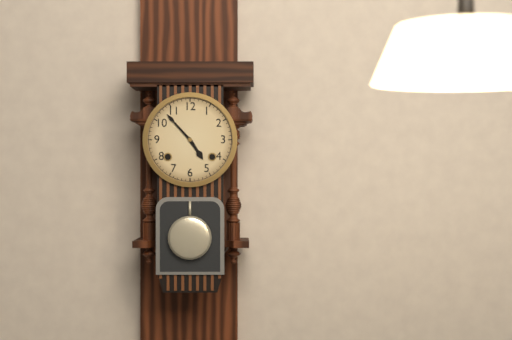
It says 4:53
